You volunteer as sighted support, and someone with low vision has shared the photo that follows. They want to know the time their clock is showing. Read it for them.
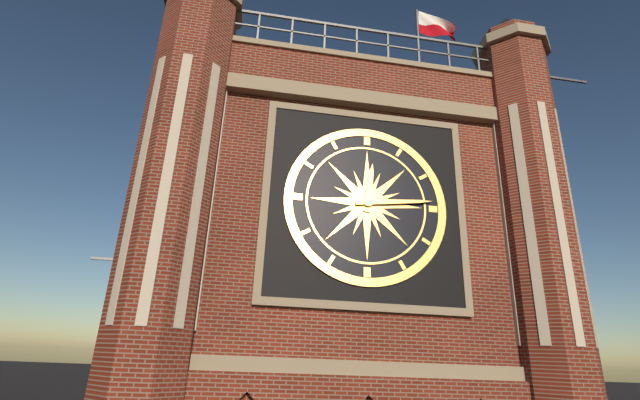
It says 12:14
